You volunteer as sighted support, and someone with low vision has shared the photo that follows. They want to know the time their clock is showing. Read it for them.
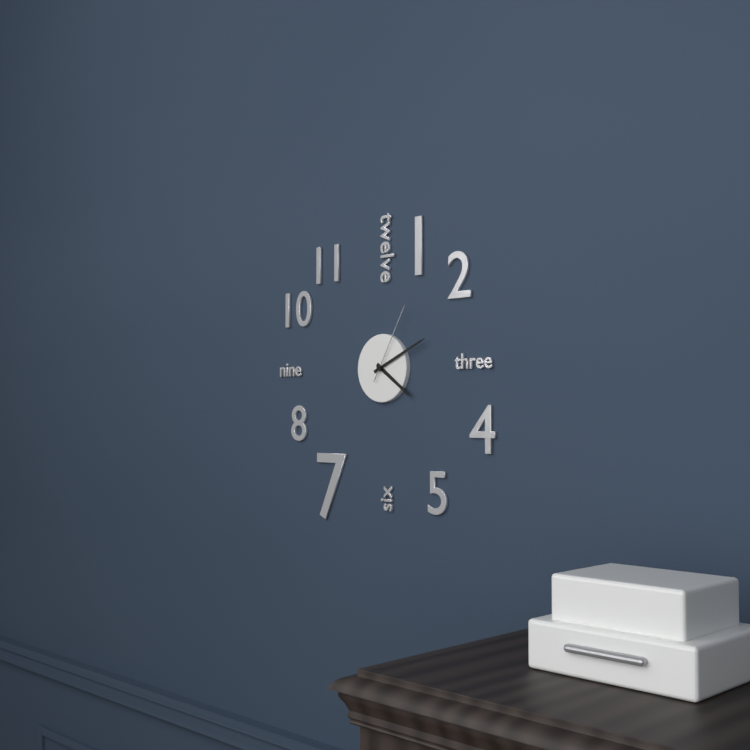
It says 4:11:05
